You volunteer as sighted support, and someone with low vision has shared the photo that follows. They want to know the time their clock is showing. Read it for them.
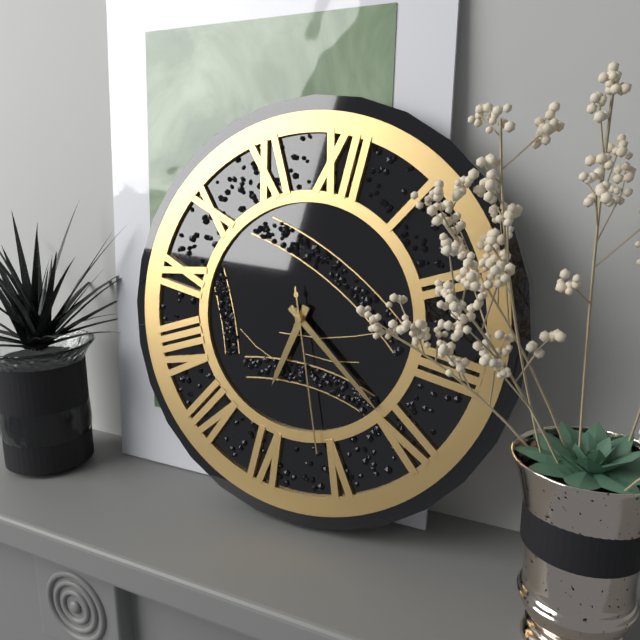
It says 6:20:26
